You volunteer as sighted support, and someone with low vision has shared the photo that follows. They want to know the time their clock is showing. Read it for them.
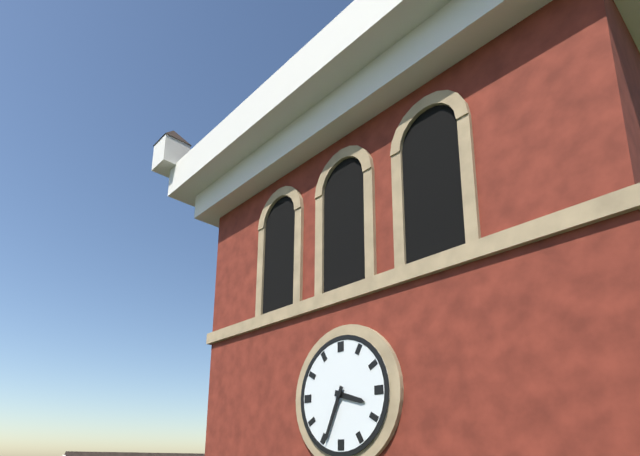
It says 3:34
